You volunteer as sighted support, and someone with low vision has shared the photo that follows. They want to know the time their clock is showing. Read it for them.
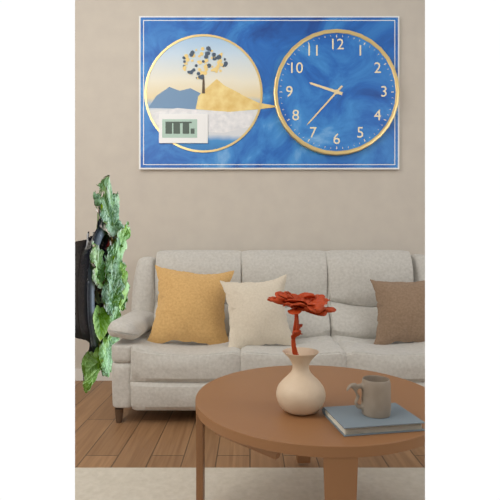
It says 9:37
